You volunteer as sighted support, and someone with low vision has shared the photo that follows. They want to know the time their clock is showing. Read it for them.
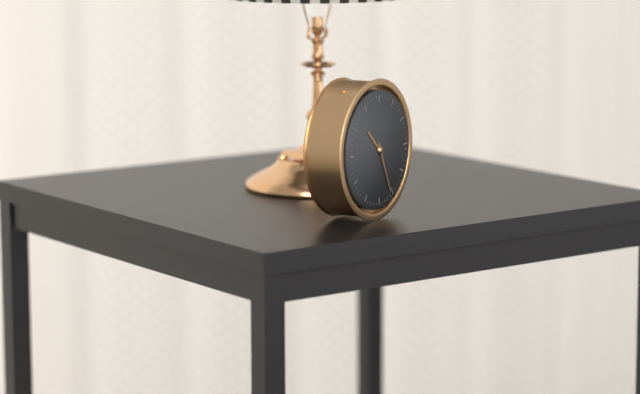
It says 10:26
